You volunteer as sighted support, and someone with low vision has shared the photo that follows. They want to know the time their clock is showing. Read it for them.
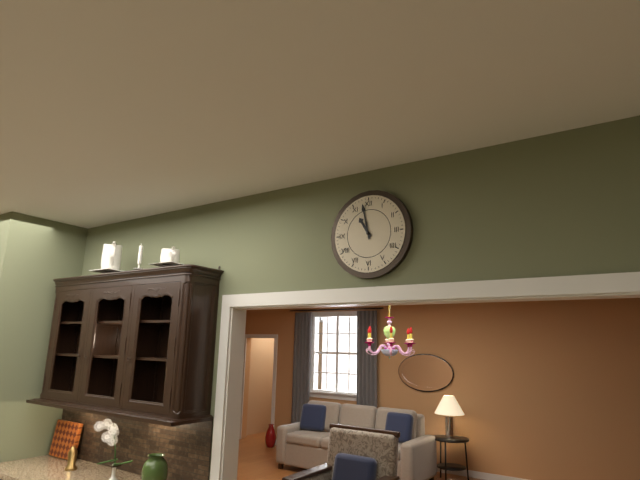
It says 10:58
